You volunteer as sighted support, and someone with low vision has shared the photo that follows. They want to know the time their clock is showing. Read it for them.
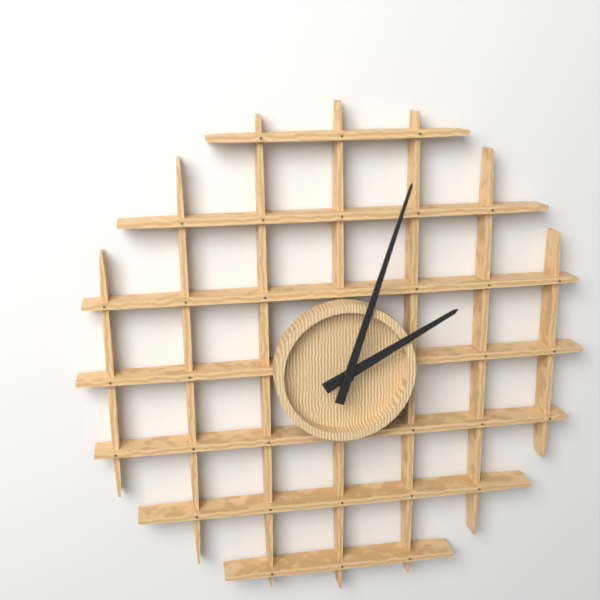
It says 2:03
